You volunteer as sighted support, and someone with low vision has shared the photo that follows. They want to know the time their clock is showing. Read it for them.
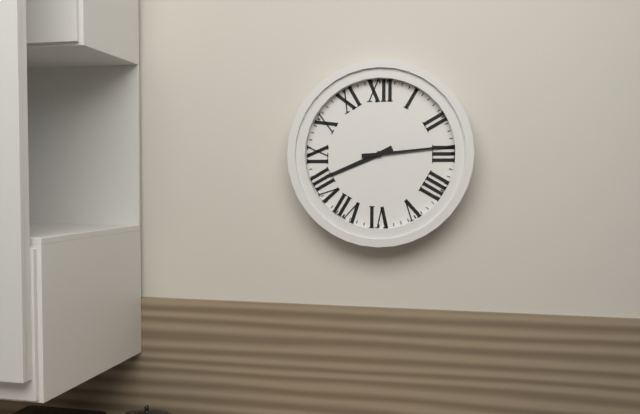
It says 8:14
